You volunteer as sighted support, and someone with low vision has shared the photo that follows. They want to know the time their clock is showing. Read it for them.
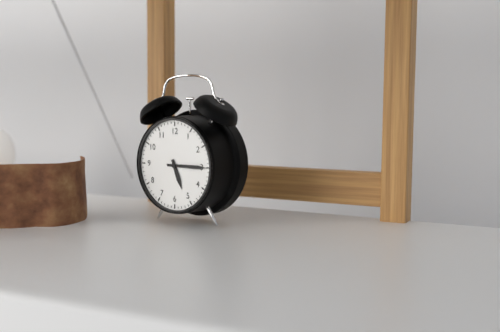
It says 5:15
